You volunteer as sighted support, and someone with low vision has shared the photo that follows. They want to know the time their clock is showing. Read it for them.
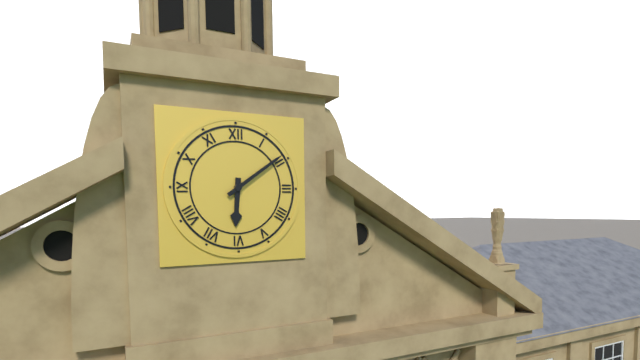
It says 6:09
